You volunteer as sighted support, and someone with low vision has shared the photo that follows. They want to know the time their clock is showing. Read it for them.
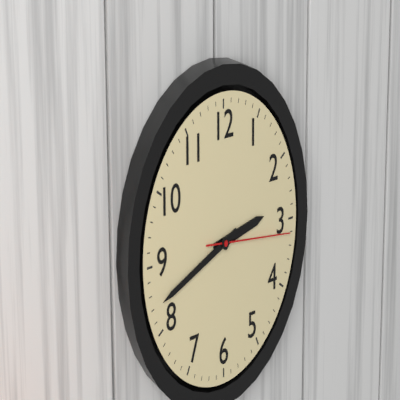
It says 2:42:16
